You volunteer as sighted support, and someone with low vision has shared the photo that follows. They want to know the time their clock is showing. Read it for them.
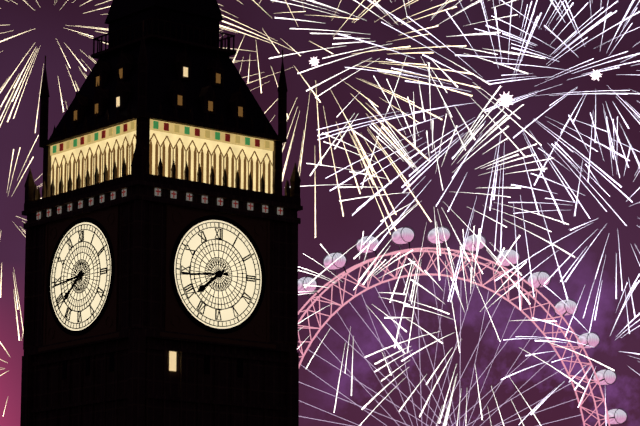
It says 7:44
